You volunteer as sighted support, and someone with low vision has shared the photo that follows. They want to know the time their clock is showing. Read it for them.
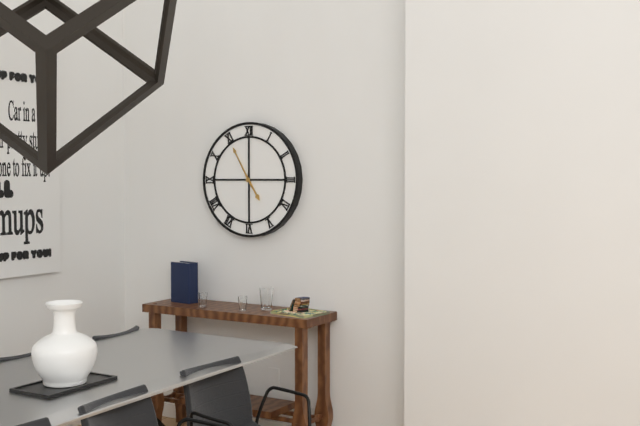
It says 4:55
